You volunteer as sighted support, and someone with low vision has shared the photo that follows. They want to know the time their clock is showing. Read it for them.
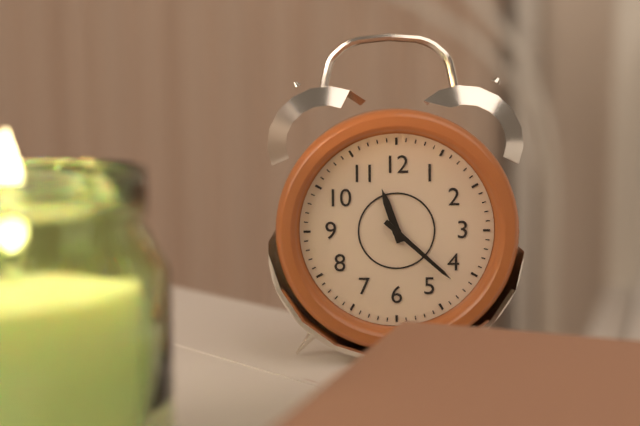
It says 11:22
